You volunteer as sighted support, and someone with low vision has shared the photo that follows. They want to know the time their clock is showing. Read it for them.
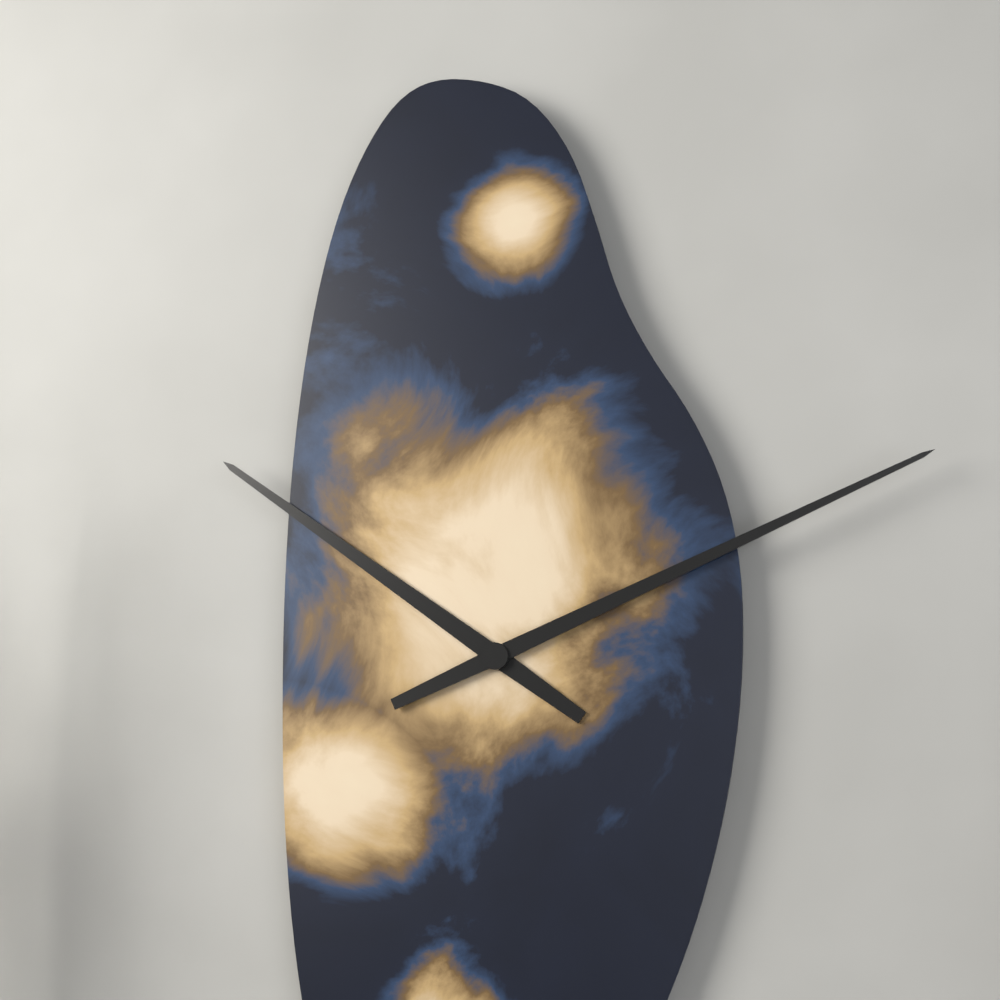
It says 10:11
